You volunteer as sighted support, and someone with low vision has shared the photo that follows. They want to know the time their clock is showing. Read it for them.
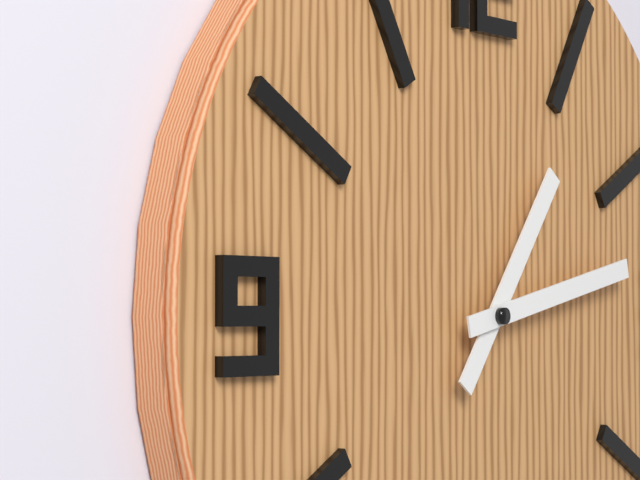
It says 1:13
